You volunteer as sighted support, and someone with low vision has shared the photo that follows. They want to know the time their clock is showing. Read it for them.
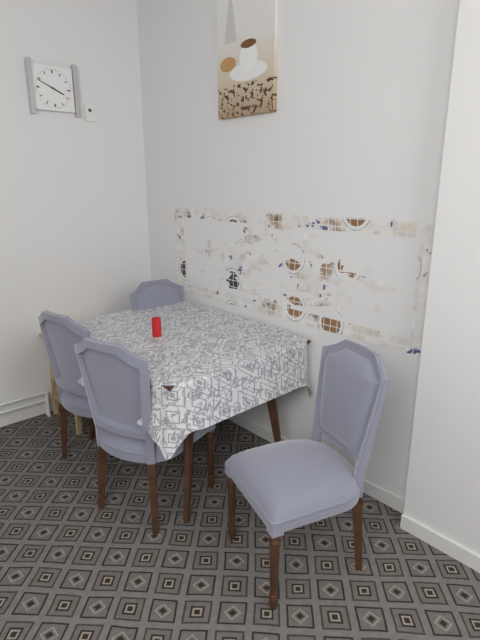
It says 3:49
